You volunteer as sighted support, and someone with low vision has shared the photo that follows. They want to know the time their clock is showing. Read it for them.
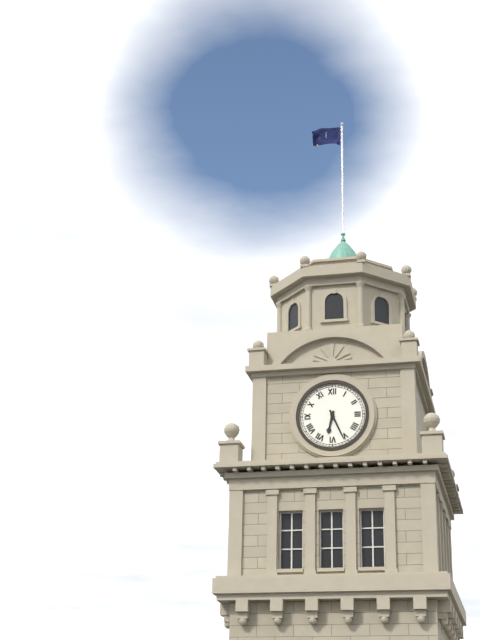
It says 6:26
